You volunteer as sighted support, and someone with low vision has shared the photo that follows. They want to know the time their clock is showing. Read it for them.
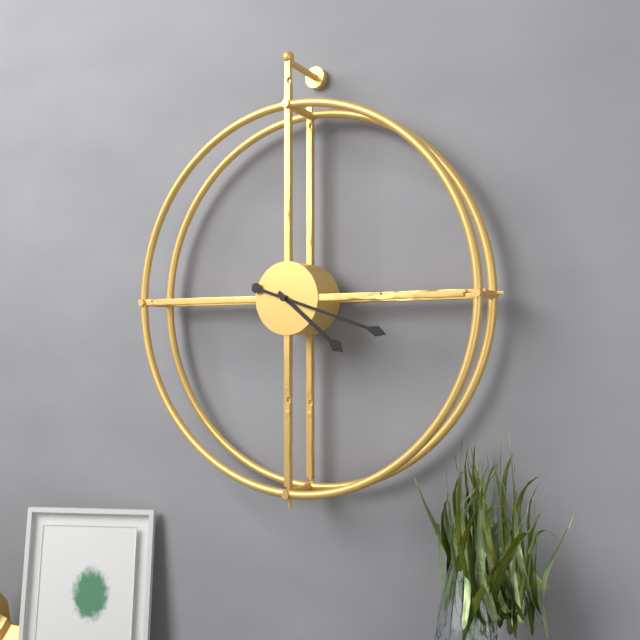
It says 4:18
